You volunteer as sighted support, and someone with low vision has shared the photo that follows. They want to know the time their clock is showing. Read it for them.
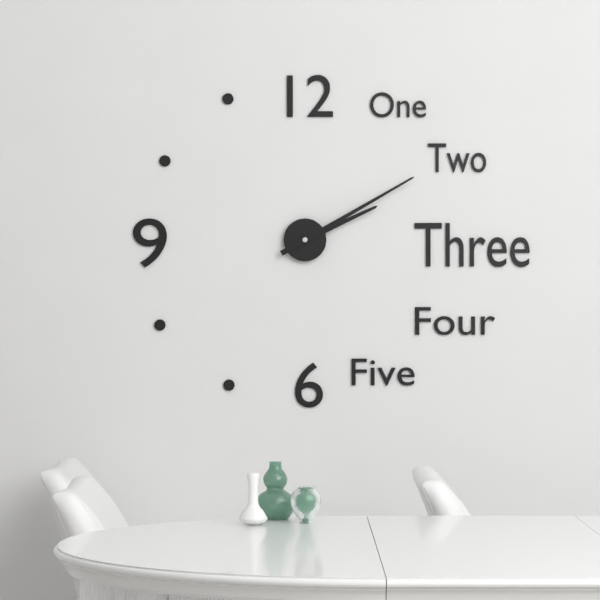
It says 2:10
